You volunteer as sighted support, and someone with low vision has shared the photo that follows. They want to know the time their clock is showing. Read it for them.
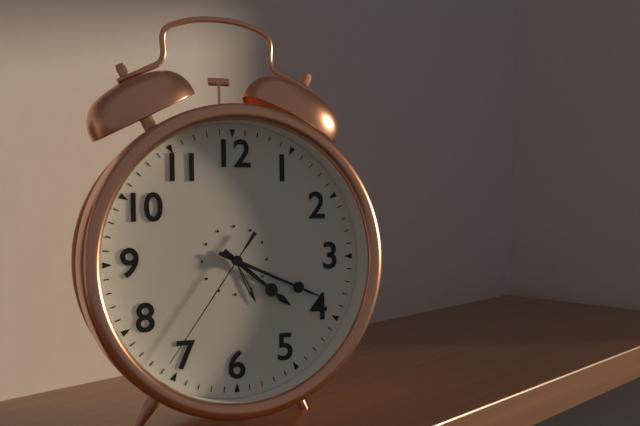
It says 4:19:36
